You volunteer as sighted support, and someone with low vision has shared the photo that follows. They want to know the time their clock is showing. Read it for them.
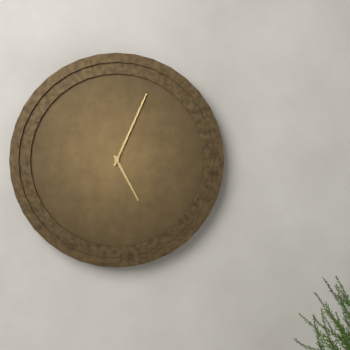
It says 5:04
